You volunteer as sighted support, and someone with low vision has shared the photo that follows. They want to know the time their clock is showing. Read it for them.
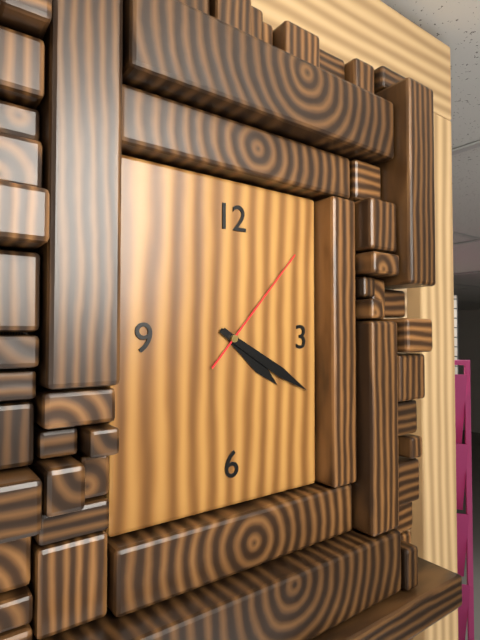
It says 4:20:07
